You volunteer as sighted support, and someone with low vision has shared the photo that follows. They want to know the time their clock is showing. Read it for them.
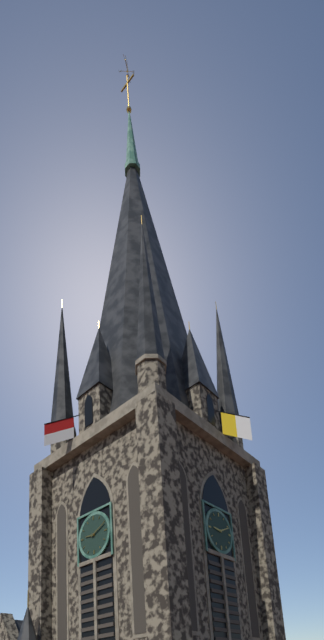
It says 9:11
